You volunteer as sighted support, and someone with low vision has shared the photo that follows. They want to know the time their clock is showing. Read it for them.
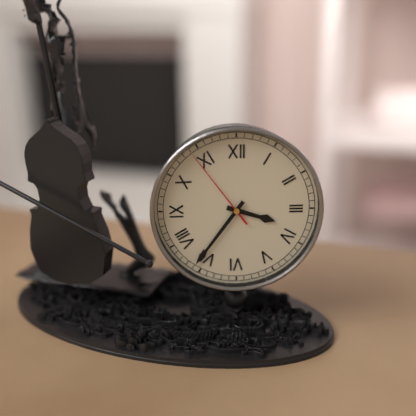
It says 3:36:54
